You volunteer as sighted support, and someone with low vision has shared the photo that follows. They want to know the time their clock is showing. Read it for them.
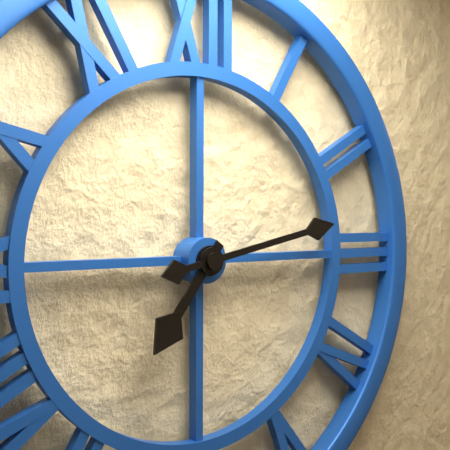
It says 7:13
